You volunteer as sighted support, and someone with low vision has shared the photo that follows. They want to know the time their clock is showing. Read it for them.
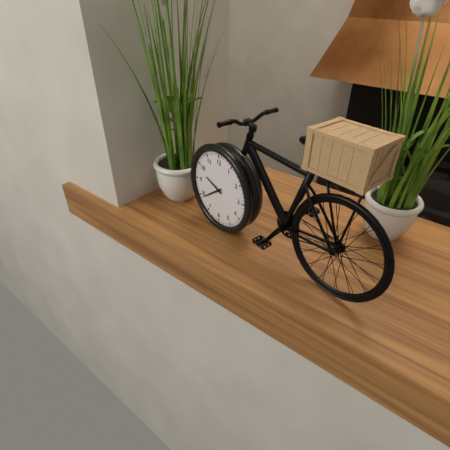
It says 9:39
